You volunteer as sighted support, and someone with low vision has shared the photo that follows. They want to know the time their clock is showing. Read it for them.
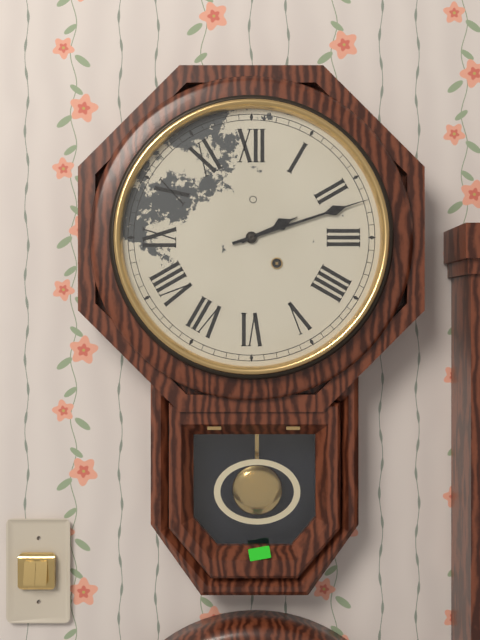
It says 2:12
